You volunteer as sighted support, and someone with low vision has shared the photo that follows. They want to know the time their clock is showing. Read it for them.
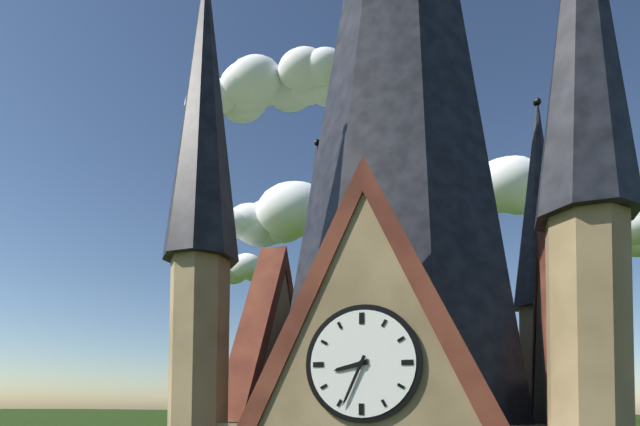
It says 8:34
